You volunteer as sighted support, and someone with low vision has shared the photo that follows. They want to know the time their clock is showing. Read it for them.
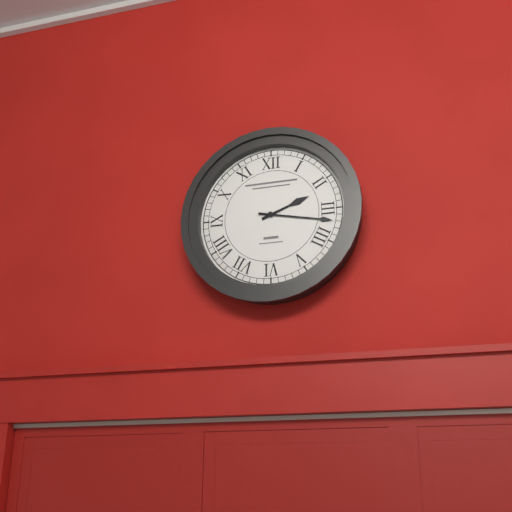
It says 2:17
